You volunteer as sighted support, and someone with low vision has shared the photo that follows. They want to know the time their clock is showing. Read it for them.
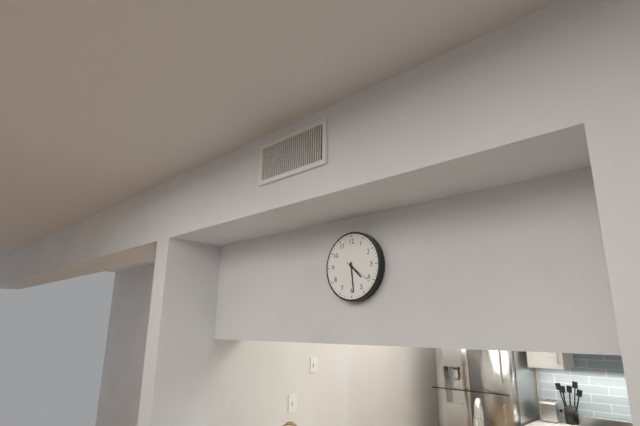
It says 4:29
